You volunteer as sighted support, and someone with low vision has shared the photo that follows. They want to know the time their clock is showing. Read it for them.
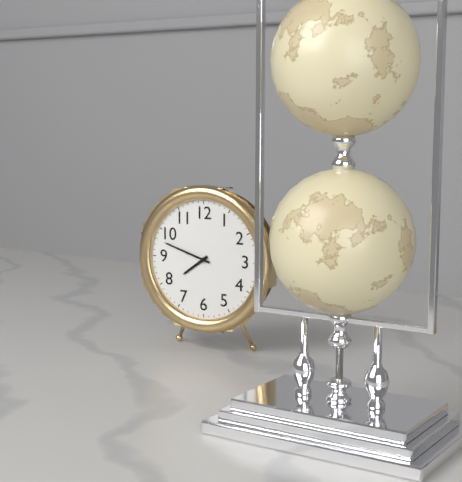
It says 7:48
